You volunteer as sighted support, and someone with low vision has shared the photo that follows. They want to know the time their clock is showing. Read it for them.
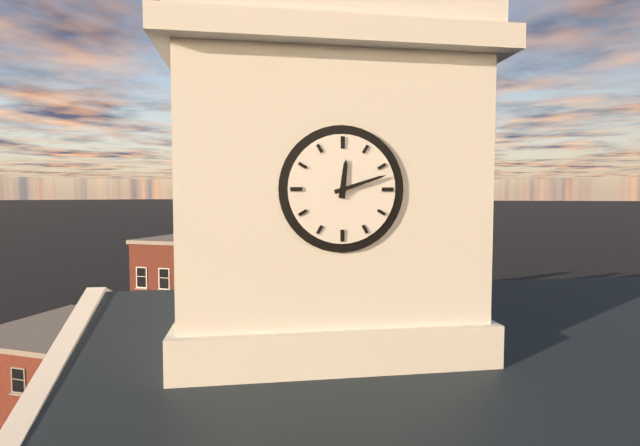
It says 12:12
